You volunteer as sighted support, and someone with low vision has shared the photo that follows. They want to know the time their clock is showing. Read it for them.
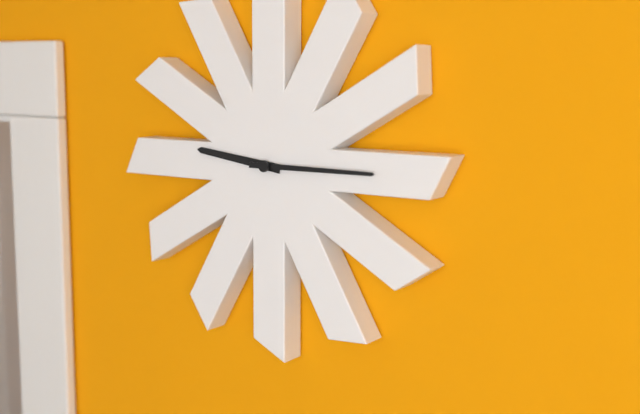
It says 9:15
